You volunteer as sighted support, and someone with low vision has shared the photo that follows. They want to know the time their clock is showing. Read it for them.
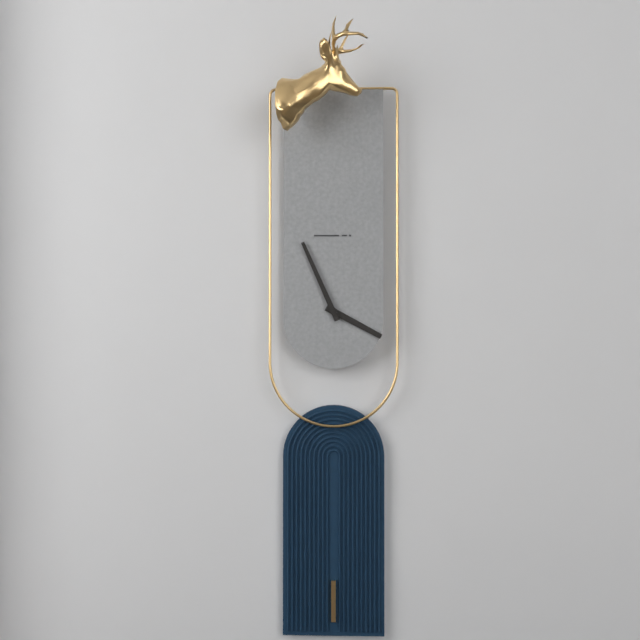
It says 3:56
